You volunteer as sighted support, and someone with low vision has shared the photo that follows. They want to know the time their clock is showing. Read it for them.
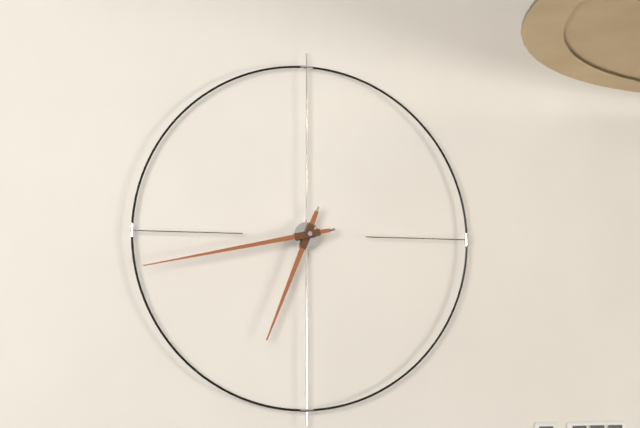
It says 6:43
